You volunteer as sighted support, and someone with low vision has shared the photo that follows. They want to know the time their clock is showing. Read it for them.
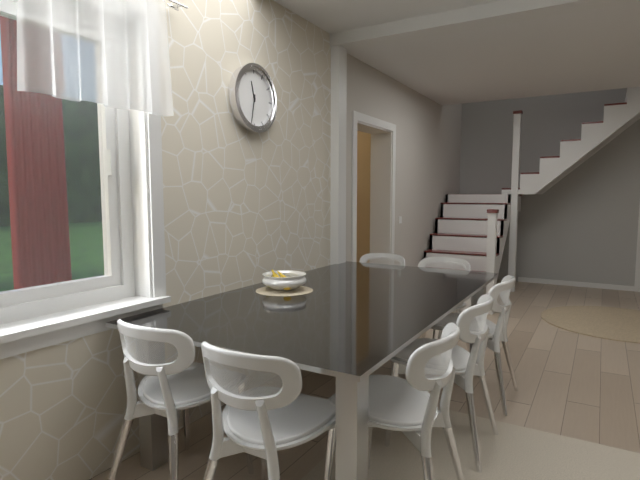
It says 11:32
